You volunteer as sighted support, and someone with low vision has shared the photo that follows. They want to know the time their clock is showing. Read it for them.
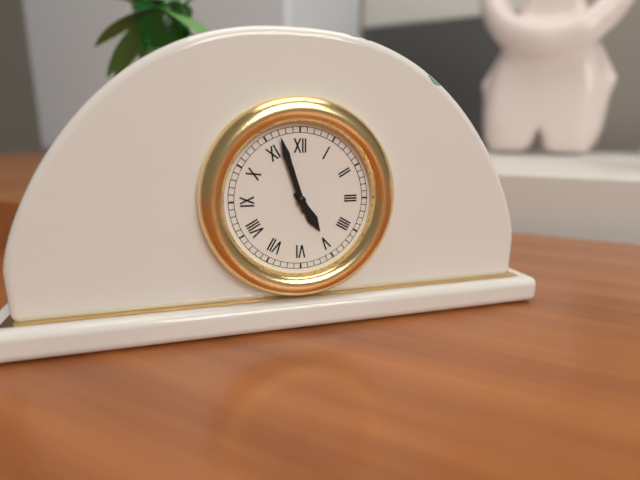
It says 4:57
